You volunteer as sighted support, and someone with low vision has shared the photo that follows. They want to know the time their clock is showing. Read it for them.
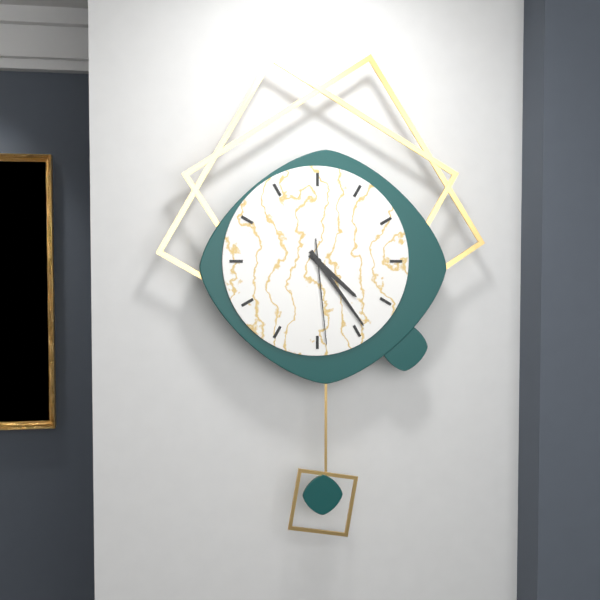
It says 4:24:29
